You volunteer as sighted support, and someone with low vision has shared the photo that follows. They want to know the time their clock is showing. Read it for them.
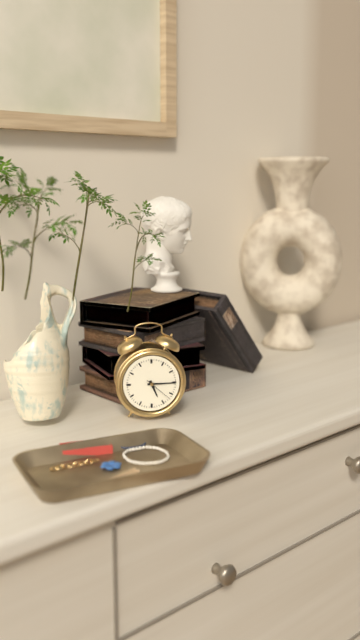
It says 5:15
